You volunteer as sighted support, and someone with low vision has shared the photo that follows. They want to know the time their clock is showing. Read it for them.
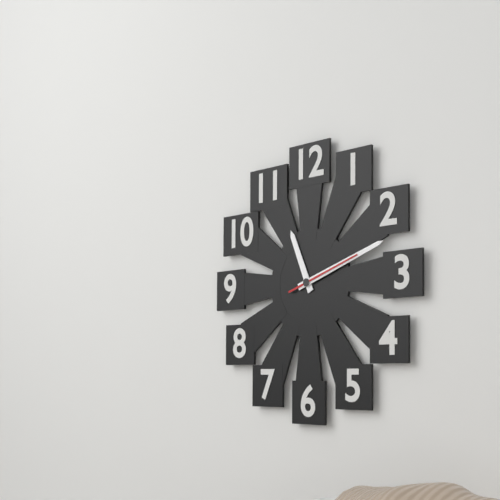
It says 11:12:12
